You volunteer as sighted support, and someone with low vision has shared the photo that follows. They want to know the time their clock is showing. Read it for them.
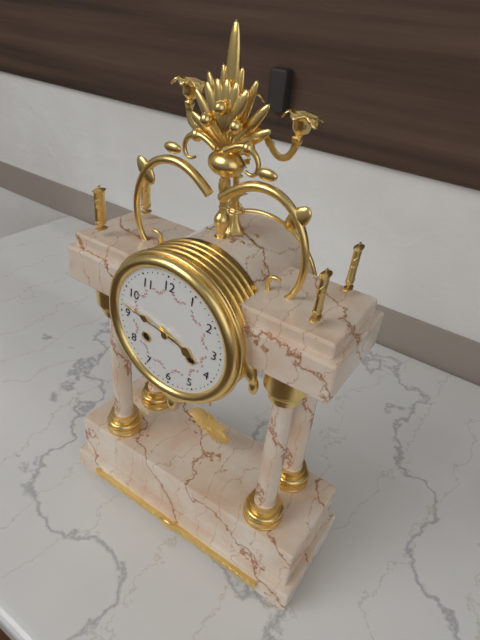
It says 3:47
